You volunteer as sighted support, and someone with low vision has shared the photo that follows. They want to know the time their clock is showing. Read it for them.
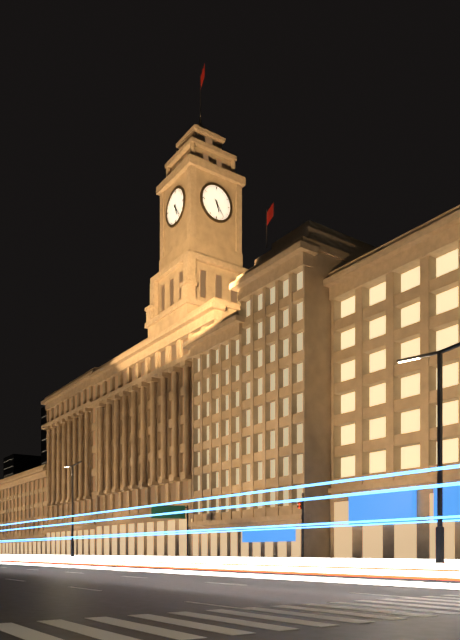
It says 5:24
